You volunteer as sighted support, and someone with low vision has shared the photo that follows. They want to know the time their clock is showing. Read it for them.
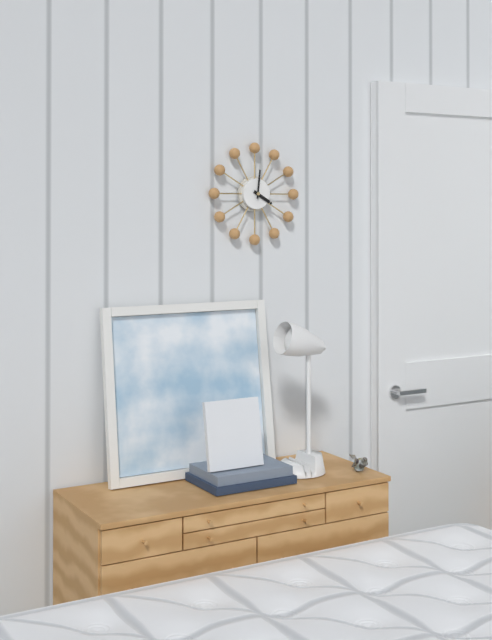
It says 4:01
